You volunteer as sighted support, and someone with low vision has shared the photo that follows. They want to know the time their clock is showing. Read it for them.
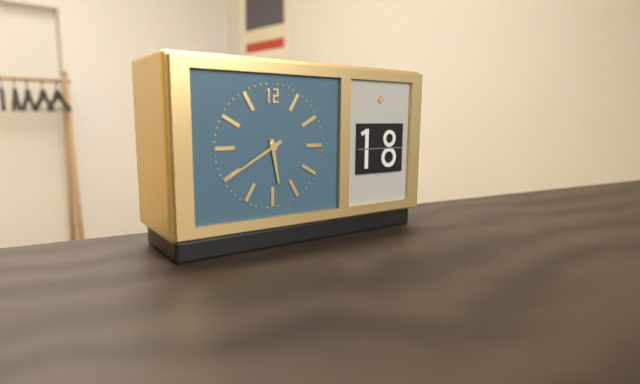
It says 5:40
